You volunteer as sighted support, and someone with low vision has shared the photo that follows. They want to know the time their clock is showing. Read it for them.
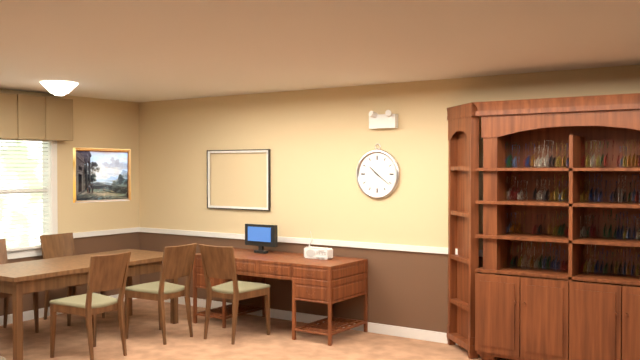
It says 10:21
